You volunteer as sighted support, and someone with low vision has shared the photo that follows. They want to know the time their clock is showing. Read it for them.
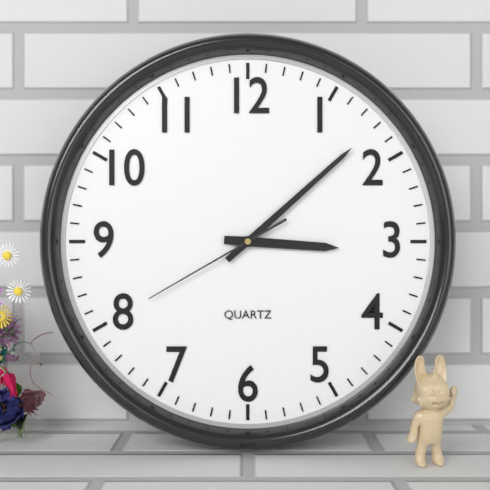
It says 3:08:40
